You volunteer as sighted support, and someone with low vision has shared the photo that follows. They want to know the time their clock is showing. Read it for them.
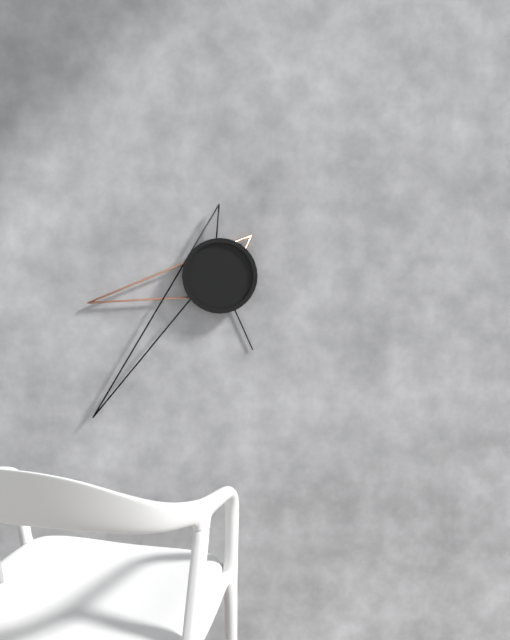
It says 8:37:26
